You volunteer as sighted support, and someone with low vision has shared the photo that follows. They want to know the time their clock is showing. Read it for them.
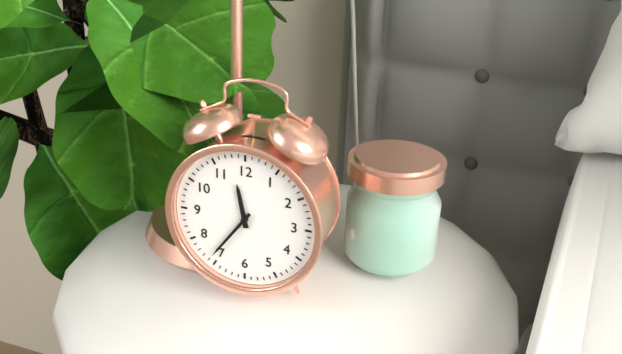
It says 11:36
